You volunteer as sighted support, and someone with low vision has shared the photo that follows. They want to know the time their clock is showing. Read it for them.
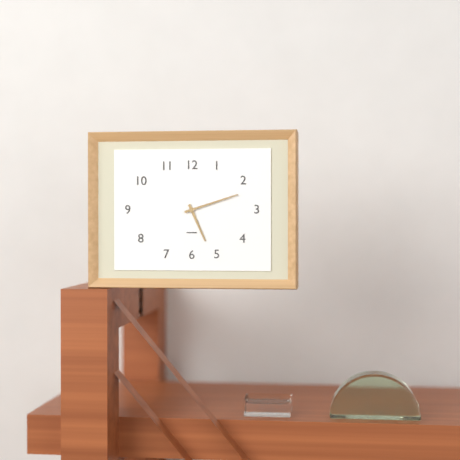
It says 5:12
